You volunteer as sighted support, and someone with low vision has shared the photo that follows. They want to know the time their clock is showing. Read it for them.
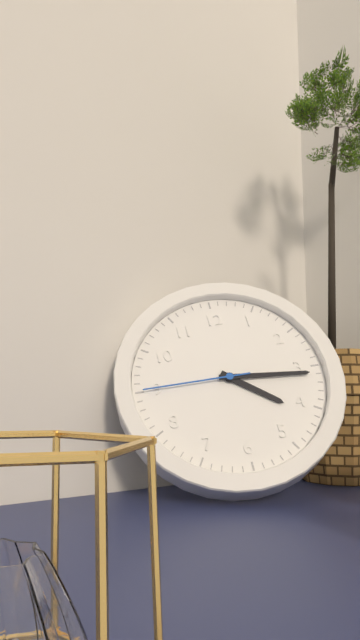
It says 4:16:45
